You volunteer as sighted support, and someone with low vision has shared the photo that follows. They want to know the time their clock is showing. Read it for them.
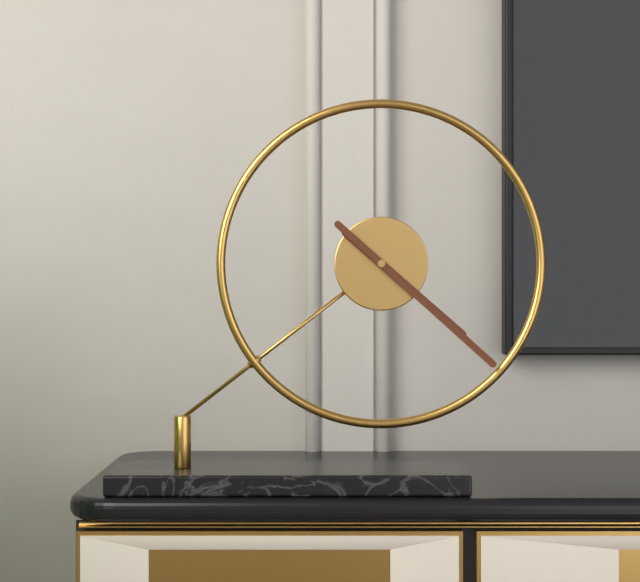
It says 4:22
